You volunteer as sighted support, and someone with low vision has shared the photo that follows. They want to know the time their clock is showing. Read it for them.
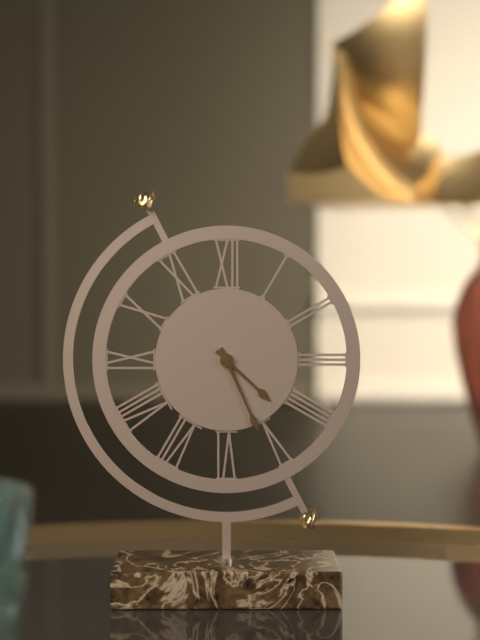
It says 4:26
